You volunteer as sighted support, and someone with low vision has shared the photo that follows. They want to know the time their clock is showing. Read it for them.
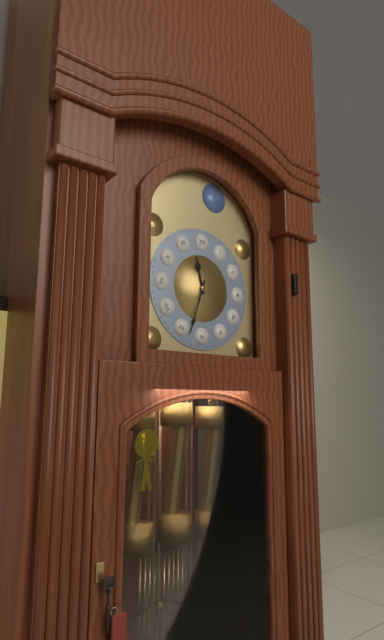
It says 11:33
